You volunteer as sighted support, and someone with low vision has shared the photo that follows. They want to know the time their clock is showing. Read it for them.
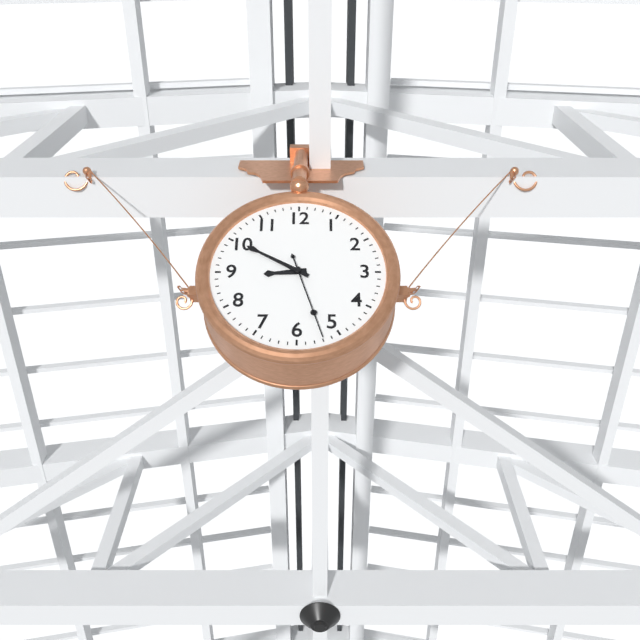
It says 8:50:27
